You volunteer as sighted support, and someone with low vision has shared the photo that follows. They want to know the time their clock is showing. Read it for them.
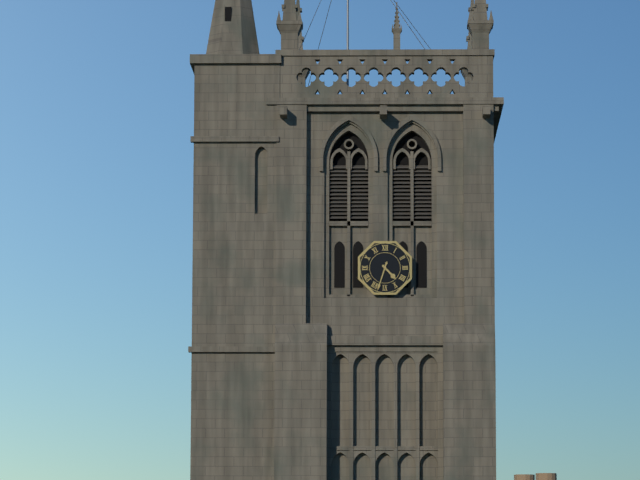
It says 4:33
